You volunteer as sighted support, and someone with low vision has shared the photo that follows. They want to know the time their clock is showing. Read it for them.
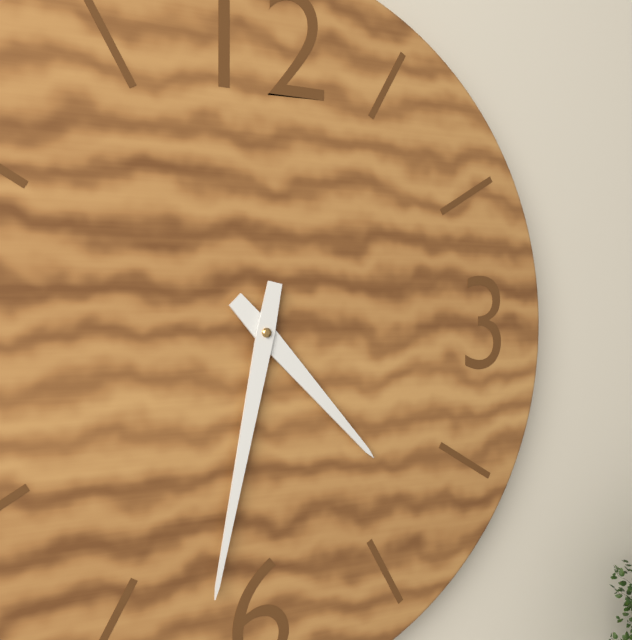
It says 4:32
